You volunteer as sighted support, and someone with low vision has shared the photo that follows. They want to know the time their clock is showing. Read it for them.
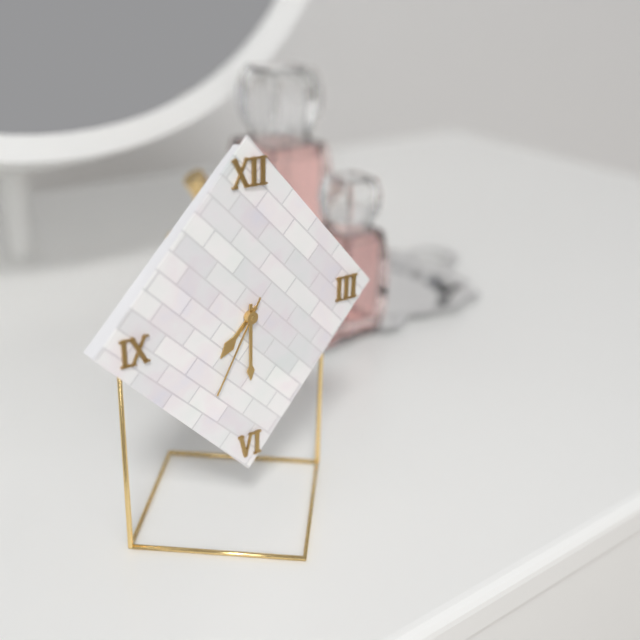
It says 7:30:35
